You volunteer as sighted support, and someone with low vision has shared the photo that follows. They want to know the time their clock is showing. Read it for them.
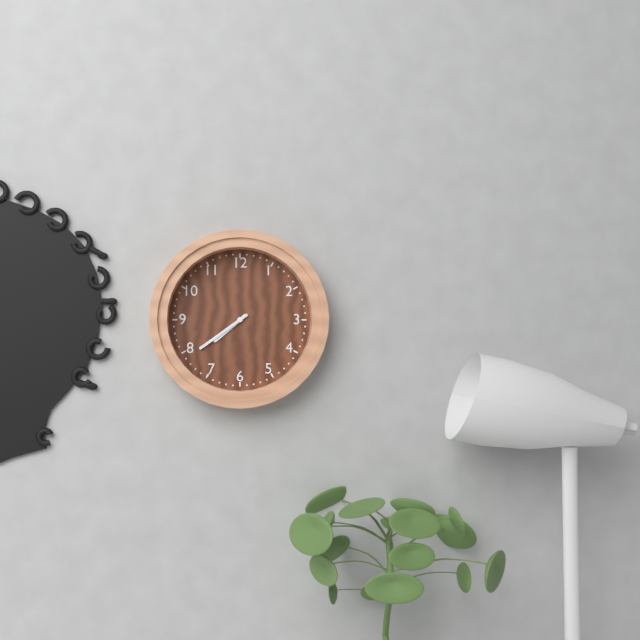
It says 7:39
